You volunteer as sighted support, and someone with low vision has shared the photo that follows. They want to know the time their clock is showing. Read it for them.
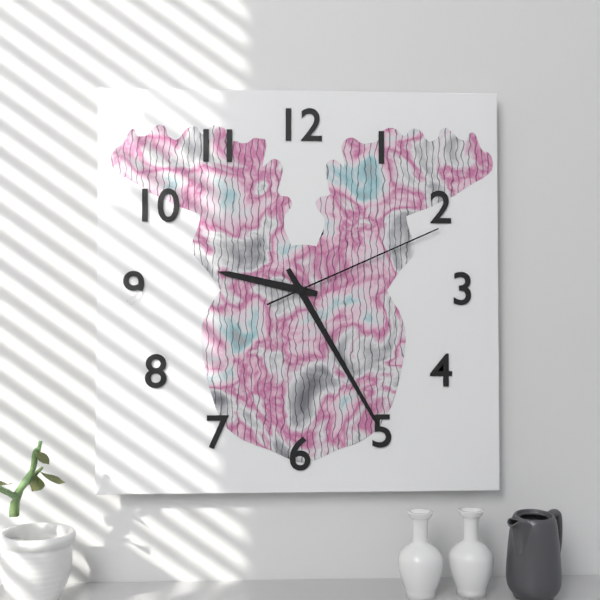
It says 9:25:11
